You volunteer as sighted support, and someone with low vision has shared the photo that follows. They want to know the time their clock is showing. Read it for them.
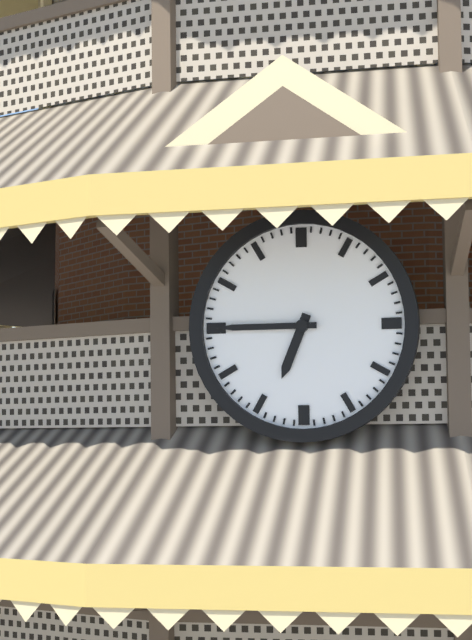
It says 6:45
